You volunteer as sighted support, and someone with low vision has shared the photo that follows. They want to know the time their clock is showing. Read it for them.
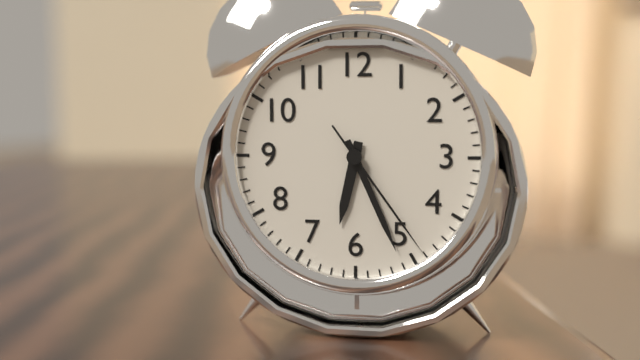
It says 6:26:24
